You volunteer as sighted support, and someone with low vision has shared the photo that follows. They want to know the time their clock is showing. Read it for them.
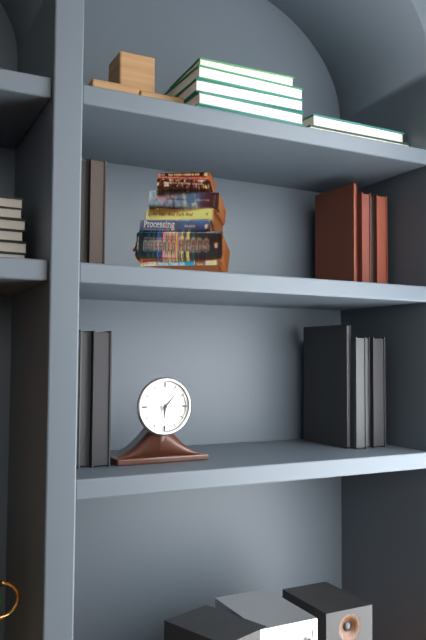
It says 6:07
